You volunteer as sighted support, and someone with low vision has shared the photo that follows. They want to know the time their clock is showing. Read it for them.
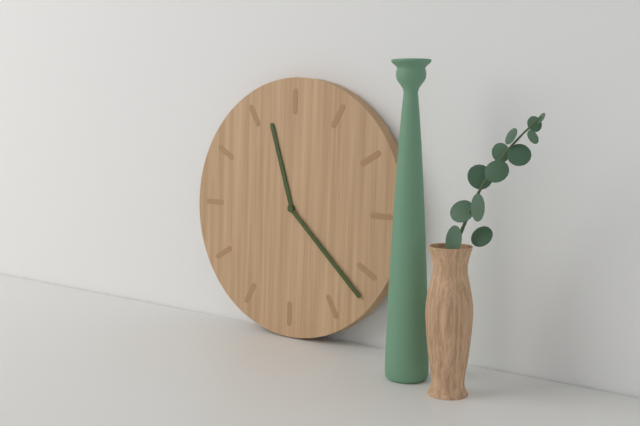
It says 11:22
